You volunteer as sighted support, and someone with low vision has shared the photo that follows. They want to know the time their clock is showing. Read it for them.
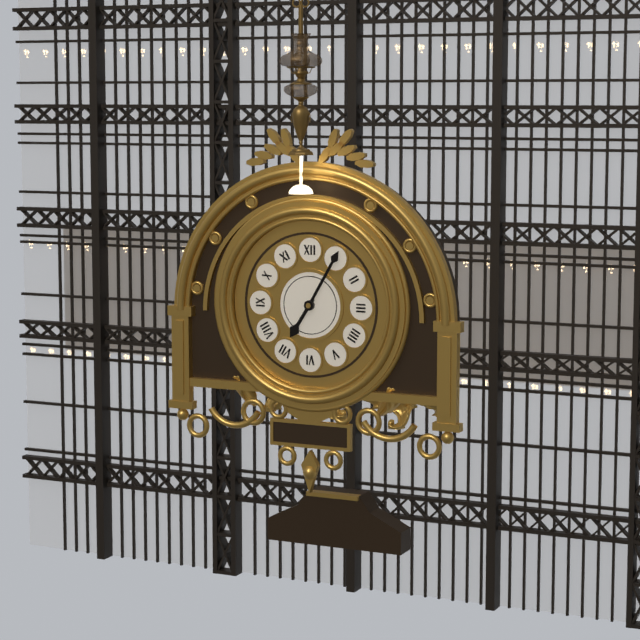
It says 7:05
